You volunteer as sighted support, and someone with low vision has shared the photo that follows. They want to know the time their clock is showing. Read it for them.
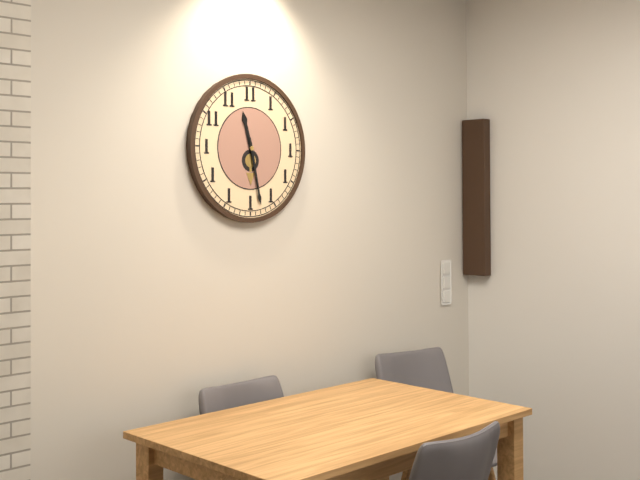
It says 11:28
